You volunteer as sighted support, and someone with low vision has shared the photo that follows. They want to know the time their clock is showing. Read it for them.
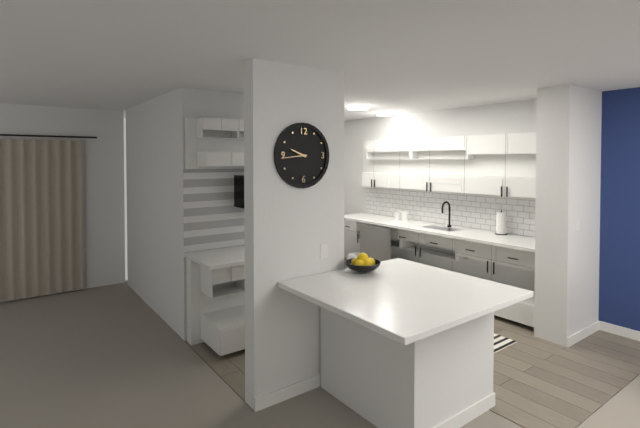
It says 9:44
